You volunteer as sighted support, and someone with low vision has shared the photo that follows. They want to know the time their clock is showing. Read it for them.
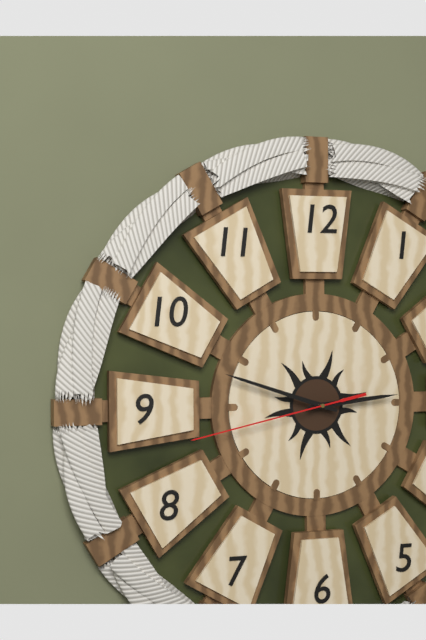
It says 2:48:43
